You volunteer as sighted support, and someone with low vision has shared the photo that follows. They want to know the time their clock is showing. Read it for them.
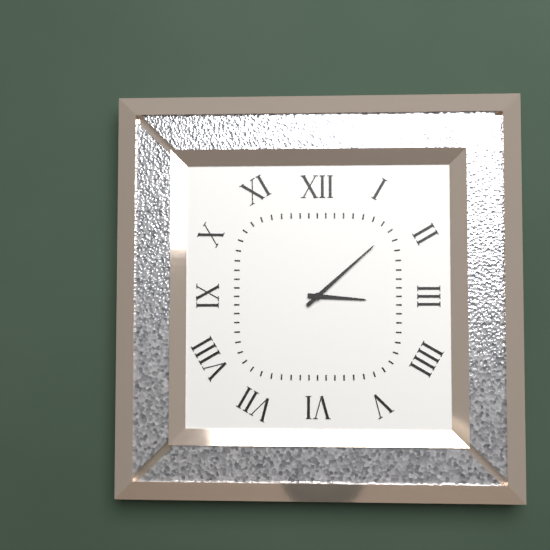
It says 3:08
